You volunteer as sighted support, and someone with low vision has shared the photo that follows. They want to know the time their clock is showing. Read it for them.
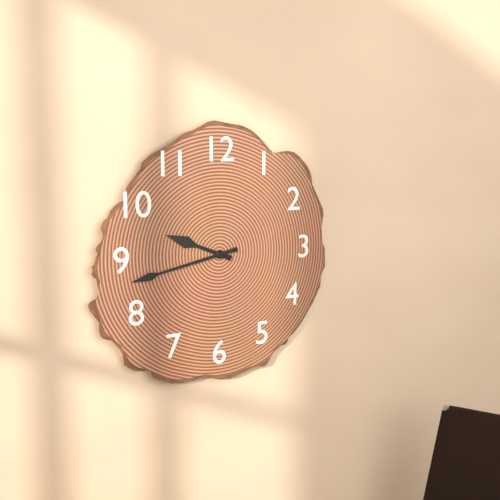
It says 9:43
